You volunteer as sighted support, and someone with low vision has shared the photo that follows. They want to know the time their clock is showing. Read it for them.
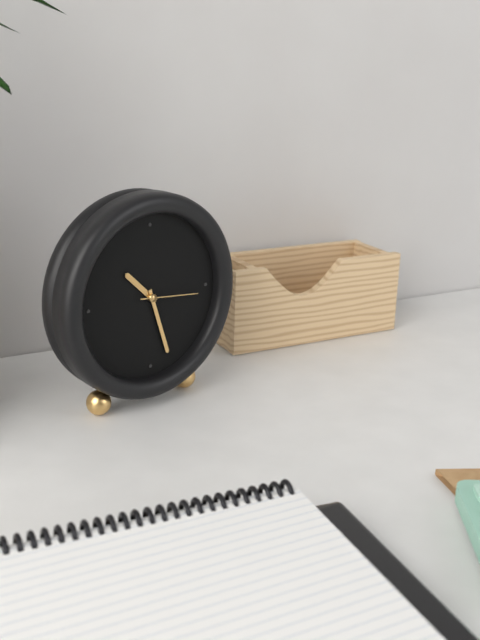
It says 10:27:16
